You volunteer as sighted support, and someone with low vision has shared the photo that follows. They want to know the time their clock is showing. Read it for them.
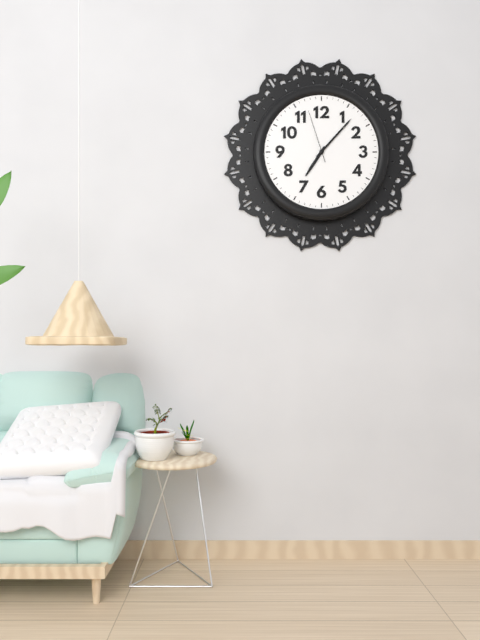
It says 7:07:57
